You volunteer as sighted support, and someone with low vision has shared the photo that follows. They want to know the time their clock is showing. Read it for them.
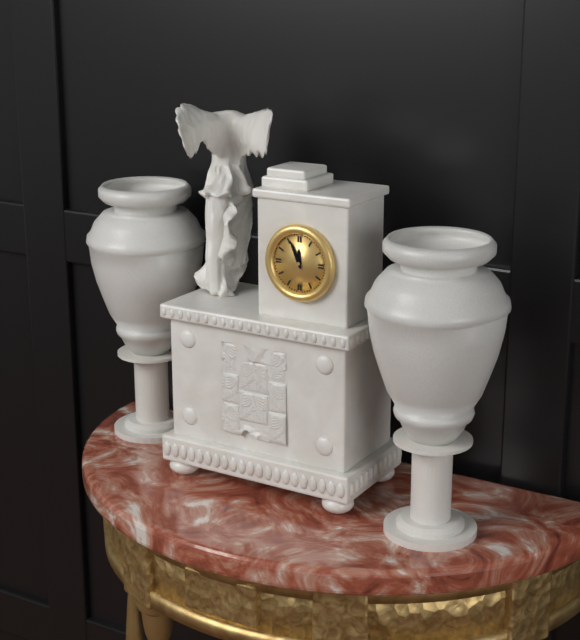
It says 11:56
